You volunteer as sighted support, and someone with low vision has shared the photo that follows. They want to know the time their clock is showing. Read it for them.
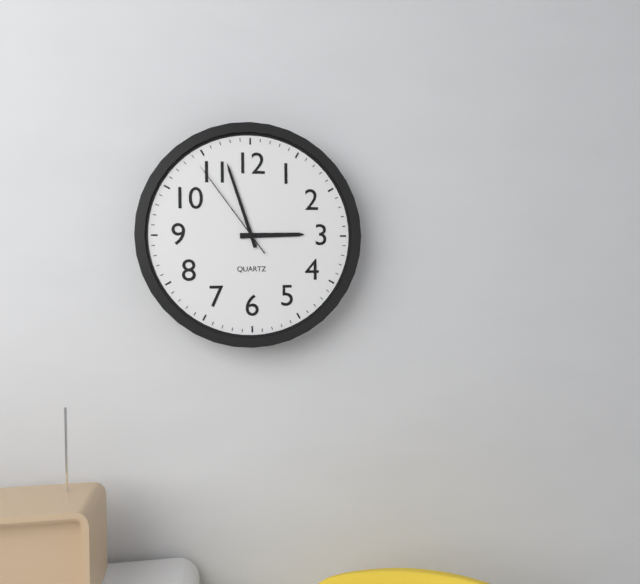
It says 2:57:54
